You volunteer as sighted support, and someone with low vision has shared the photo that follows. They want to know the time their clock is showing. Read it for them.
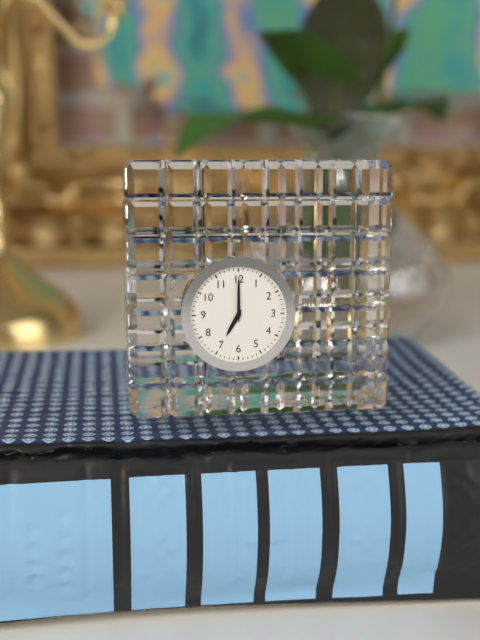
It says 7:00
